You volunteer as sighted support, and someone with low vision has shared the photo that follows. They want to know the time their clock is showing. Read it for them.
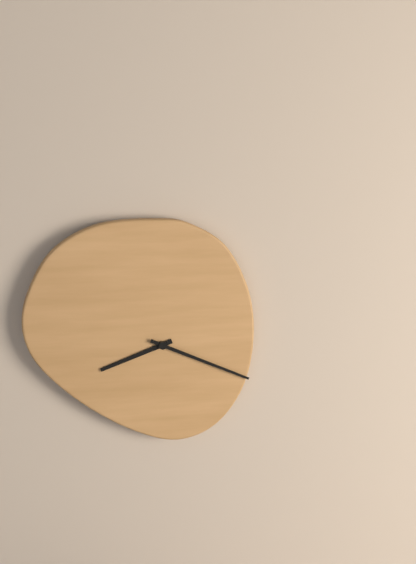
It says 8:19
